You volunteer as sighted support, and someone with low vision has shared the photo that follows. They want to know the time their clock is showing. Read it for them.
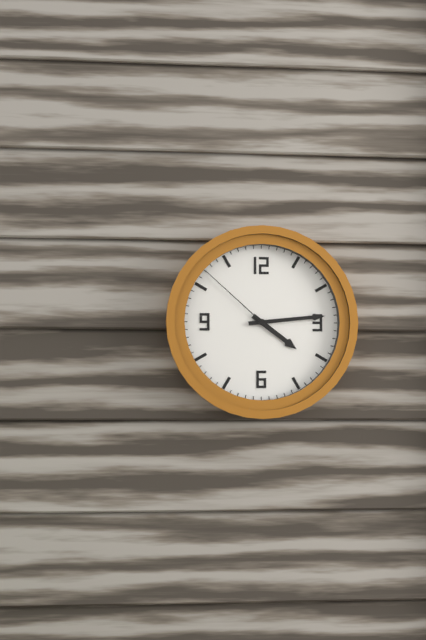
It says 4:14:52
